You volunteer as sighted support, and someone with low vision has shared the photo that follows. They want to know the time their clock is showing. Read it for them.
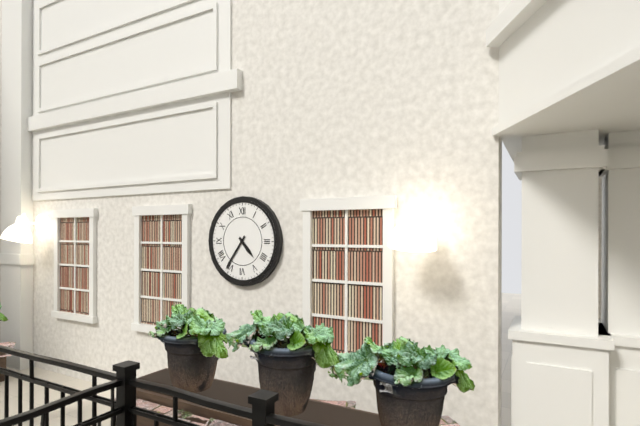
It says 4:36
